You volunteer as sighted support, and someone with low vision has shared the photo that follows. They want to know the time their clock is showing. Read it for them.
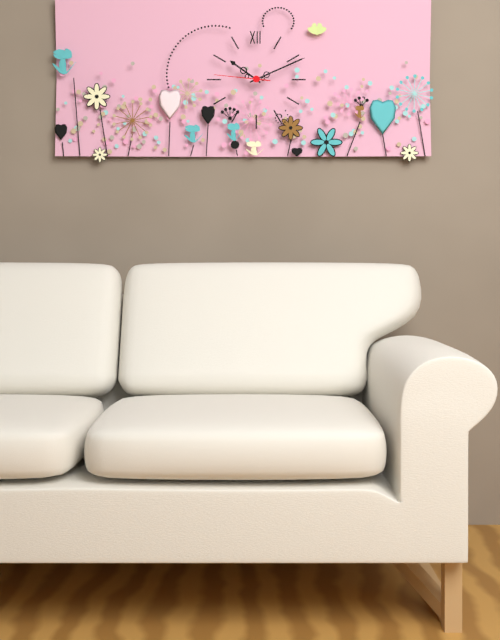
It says 10:11:46
